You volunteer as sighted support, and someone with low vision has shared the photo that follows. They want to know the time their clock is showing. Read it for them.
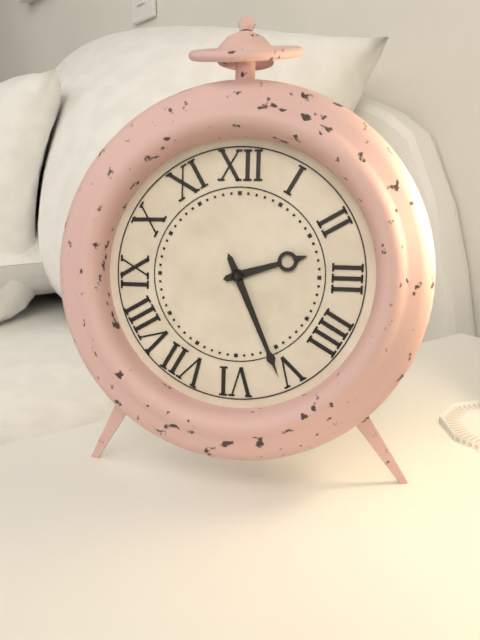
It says 2:26
